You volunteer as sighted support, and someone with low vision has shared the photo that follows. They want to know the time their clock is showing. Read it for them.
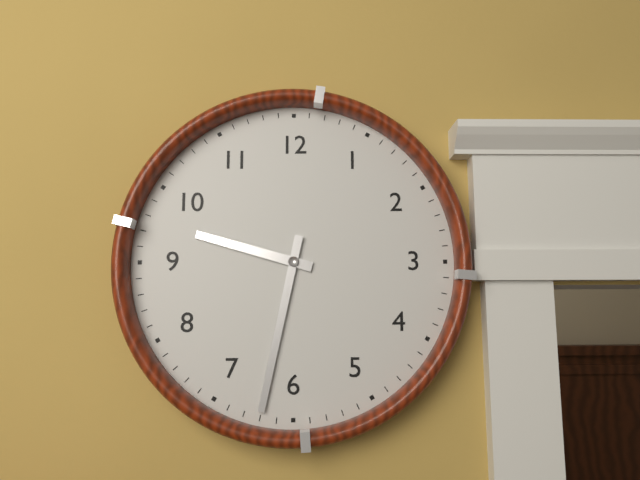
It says 9:32
